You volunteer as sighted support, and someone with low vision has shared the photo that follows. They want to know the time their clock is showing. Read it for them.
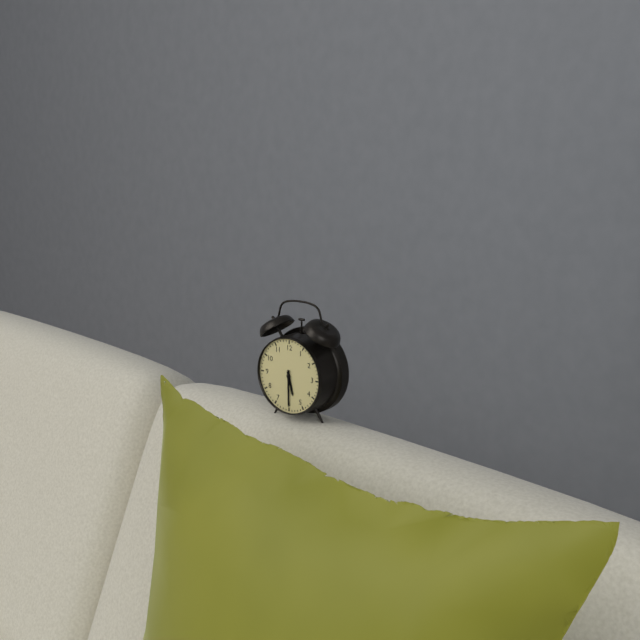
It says 5:30
